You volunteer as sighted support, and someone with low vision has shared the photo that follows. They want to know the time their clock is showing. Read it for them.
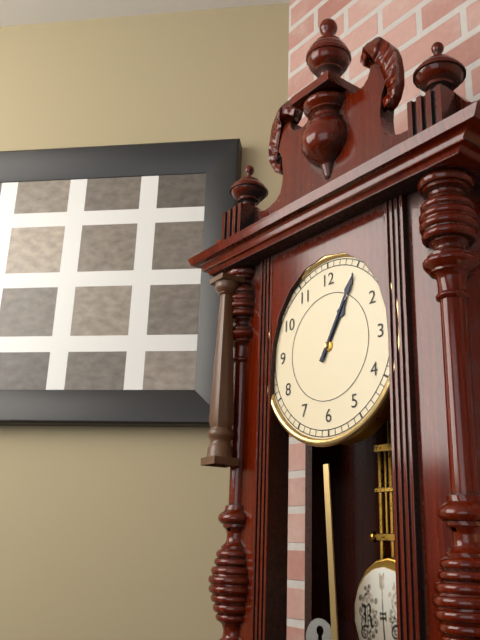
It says 1:05
